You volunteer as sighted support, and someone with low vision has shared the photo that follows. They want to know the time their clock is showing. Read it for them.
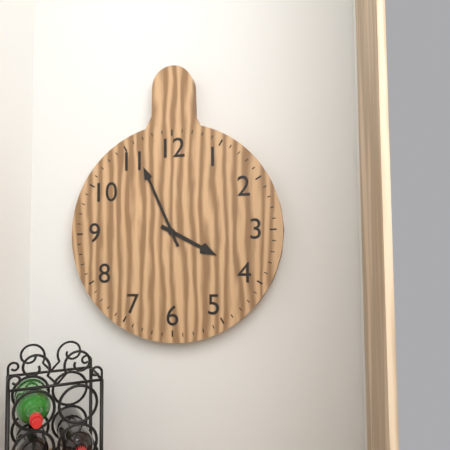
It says 3:56
